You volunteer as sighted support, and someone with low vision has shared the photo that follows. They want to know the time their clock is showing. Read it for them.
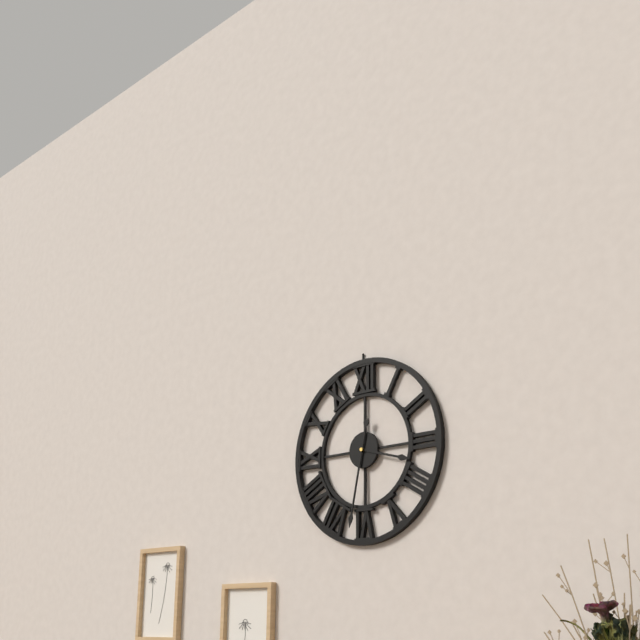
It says 3:32
